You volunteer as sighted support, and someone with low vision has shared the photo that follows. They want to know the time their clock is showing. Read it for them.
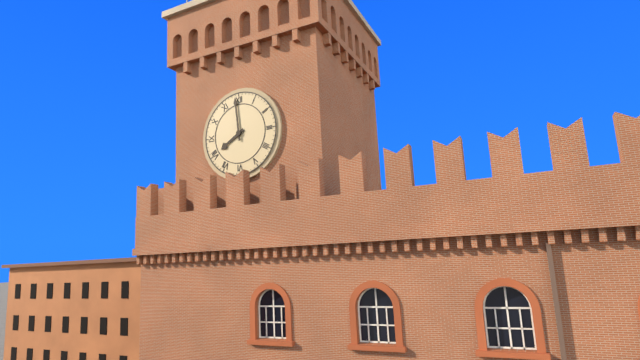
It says 7:59
